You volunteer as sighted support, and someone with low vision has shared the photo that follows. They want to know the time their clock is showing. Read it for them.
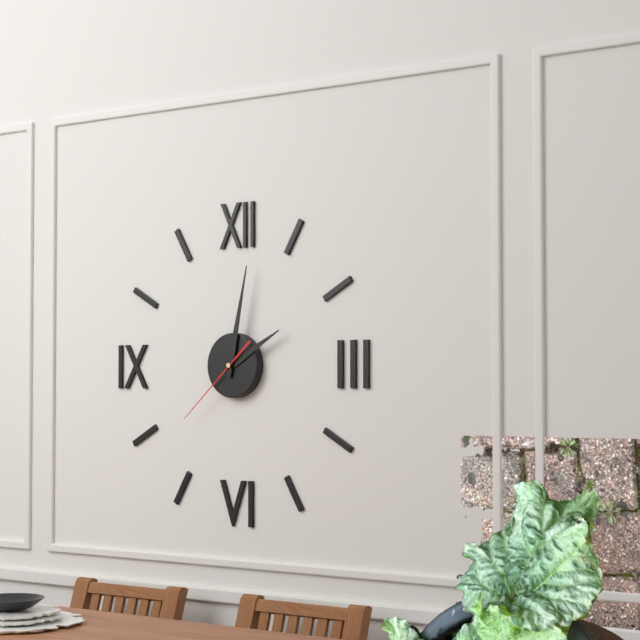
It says 2:02:38
